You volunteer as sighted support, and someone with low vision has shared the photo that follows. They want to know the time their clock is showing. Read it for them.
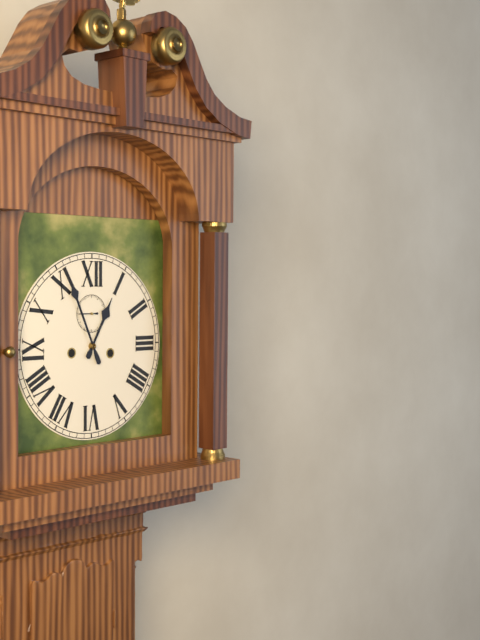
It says 12:56
